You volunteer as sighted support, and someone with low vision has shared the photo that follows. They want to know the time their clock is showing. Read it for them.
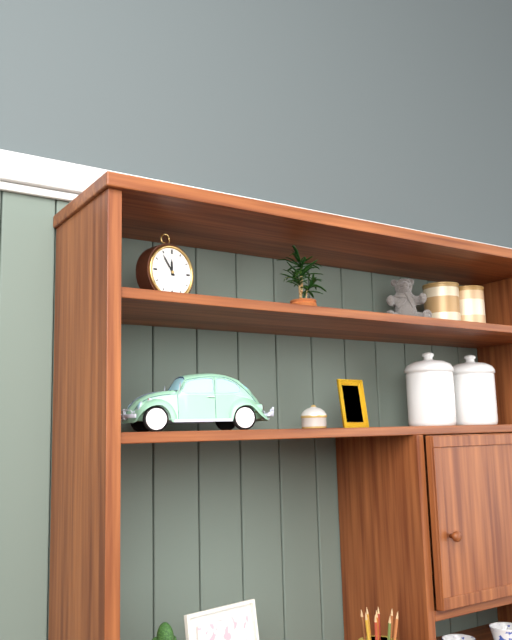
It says 11:54
